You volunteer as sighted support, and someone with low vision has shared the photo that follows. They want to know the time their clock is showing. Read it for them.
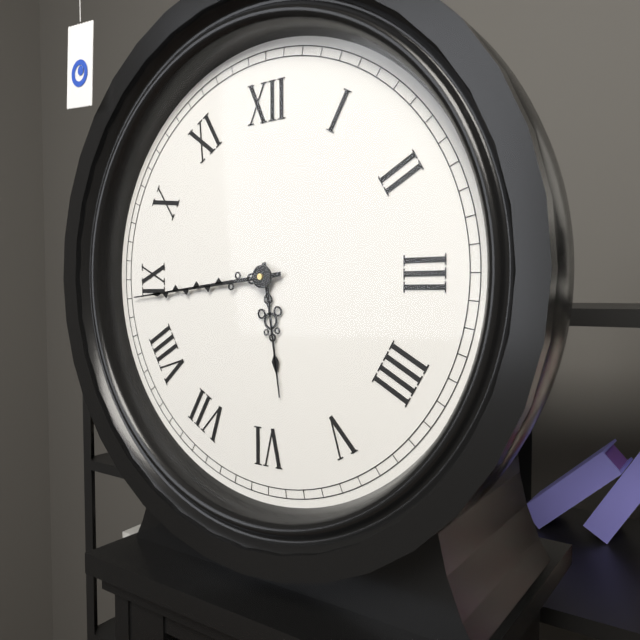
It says 5:44
